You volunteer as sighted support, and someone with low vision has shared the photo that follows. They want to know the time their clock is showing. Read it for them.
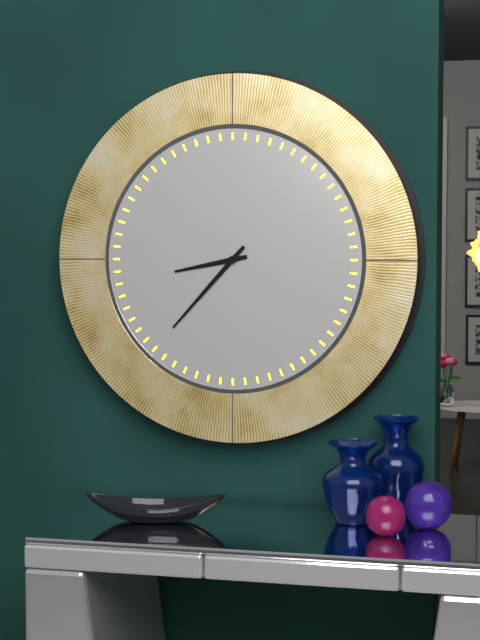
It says 8:37
